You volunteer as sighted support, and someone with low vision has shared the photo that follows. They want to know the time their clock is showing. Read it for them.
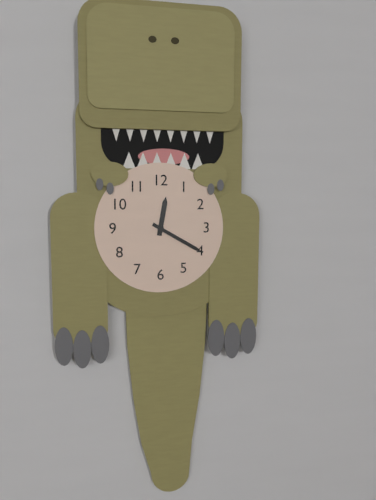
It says 12:20
